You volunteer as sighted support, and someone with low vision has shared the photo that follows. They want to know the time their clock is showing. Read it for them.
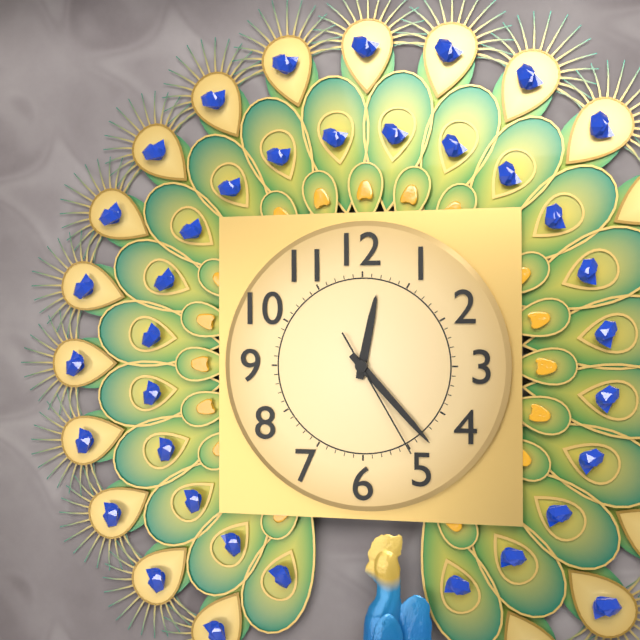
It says 12:23:25
